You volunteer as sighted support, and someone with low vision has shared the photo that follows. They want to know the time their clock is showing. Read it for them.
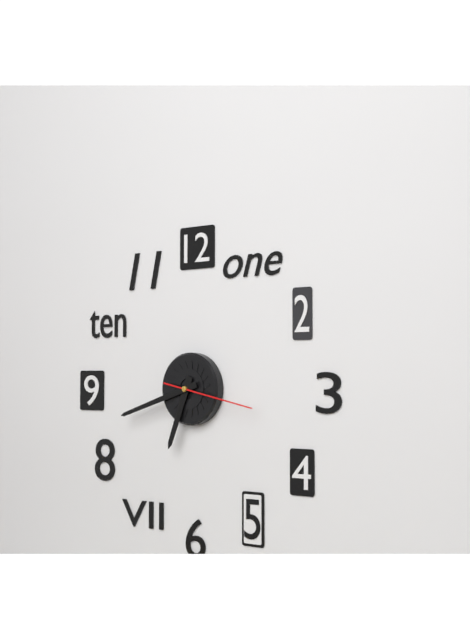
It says 6:42:17
